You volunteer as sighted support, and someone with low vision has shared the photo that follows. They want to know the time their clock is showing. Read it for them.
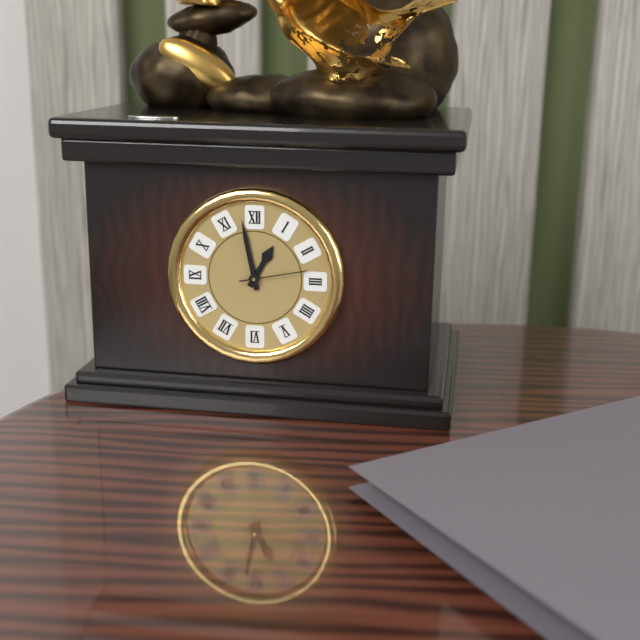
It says 12:58:13
